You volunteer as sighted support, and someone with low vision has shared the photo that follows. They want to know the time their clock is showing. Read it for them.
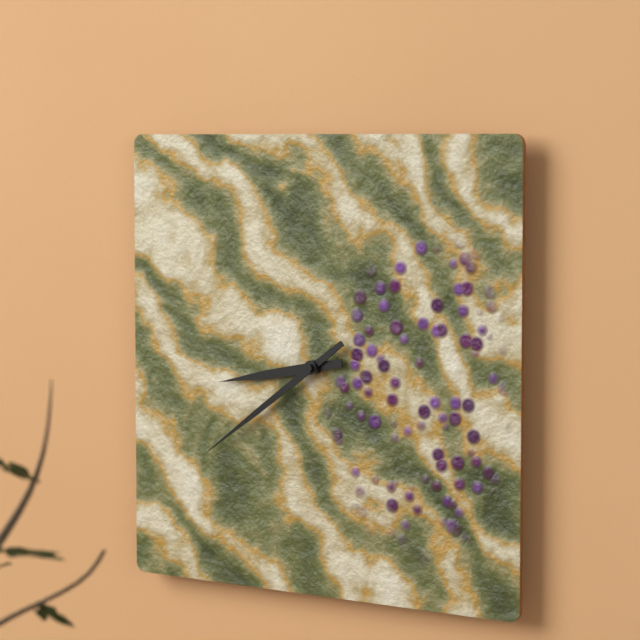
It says 8:39
